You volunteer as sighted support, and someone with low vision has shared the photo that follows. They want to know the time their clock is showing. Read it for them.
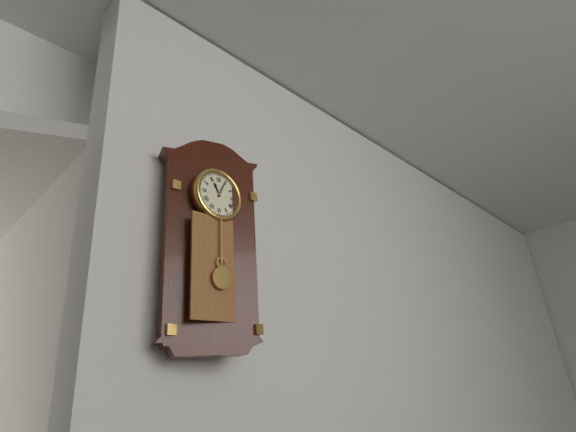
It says 11:04
